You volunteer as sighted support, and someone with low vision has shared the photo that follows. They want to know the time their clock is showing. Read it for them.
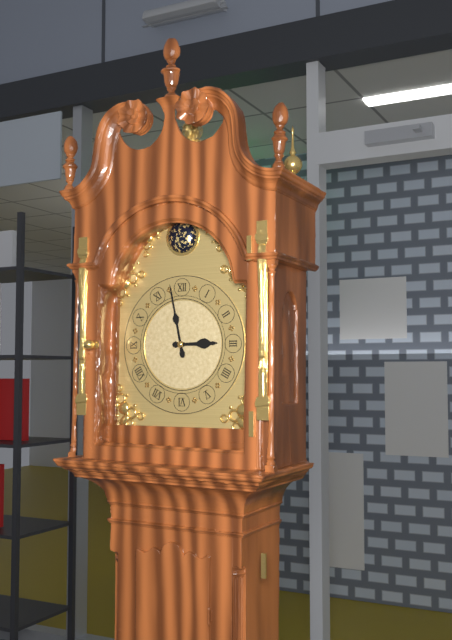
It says 2:58
